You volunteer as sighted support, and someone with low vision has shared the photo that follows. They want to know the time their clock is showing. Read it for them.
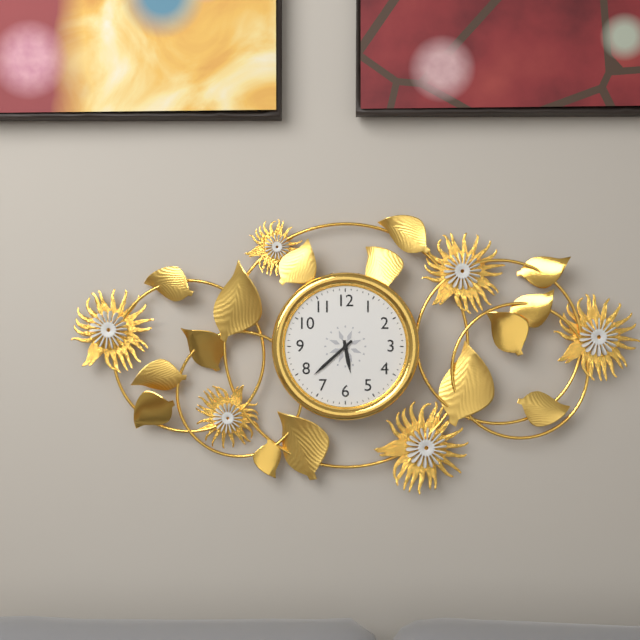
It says 5:38
